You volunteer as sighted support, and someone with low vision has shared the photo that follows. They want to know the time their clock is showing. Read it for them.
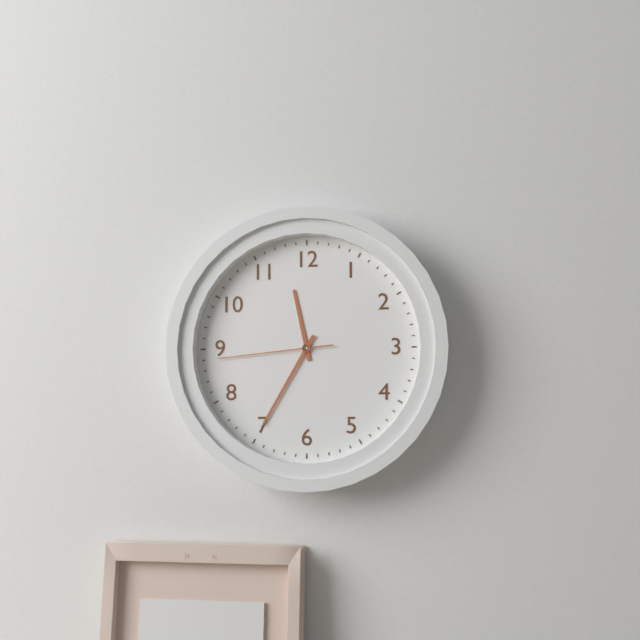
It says 11:35:44
